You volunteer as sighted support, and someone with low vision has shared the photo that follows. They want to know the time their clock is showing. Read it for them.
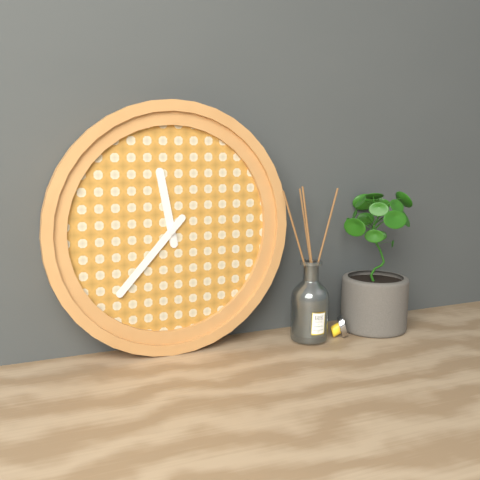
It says 11:37
